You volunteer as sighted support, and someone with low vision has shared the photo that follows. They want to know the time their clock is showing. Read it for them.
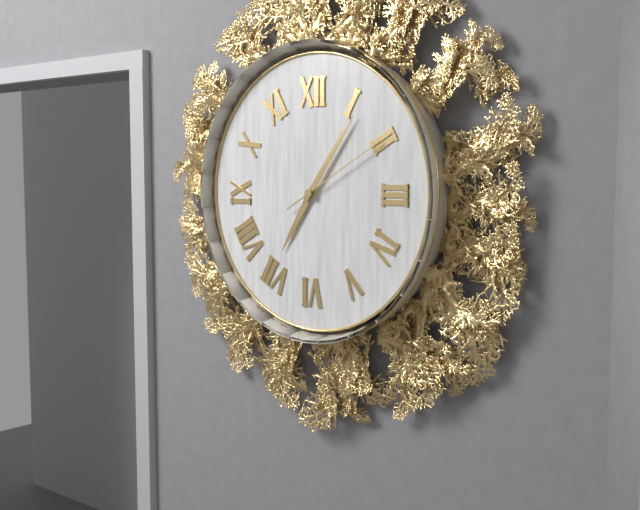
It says 7:06:10
